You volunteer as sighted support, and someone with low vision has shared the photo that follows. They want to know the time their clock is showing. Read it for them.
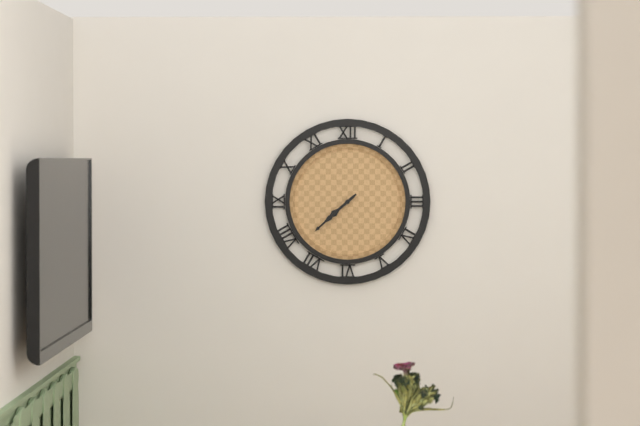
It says 7:38
